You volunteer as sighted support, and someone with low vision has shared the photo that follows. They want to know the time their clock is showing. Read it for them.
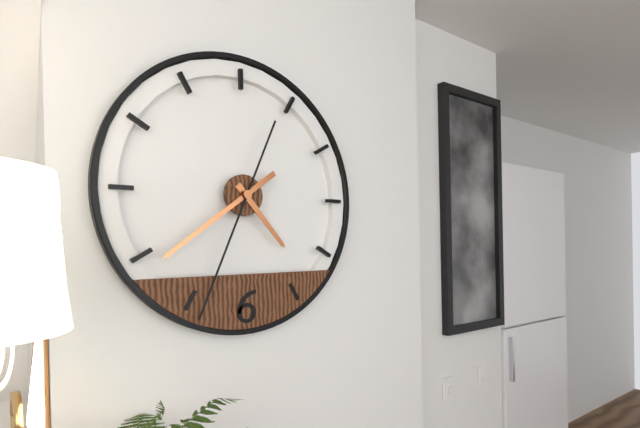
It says 4:39:34
